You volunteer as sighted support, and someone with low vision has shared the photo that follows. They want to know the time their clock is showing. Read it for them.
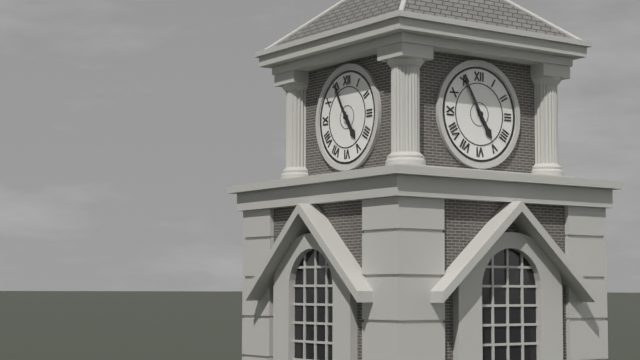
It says 4:55
